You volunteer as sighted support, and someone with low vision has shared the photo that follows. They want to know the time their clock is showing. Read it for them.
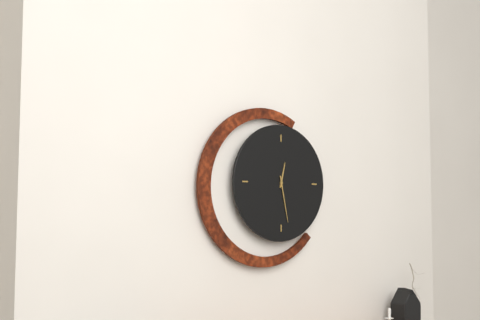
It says 12:28
